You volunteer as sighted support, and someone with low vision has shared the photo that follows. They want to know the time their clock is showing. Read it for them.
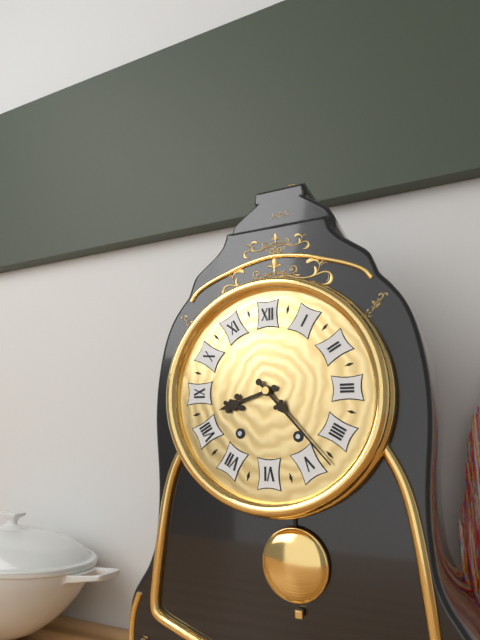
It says 8:23
